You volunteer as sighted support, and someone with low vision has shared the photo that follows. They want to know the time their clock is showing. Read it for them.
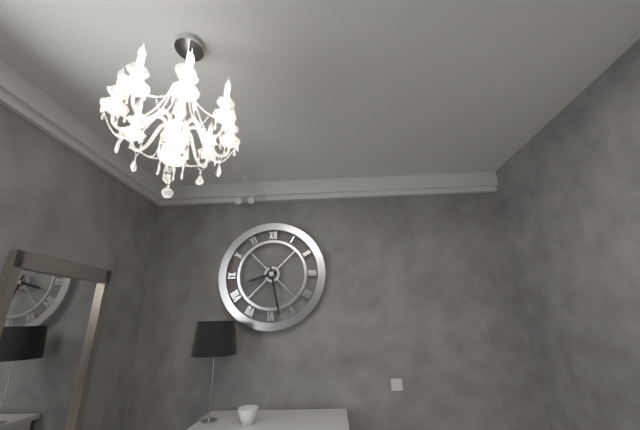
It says 8:28
